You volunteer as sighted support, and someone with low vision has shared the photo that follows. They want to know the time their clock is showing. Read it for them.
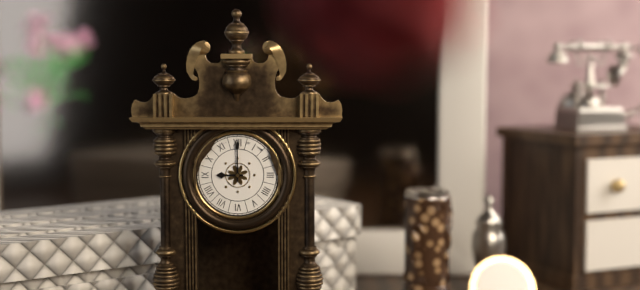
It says 9:00
